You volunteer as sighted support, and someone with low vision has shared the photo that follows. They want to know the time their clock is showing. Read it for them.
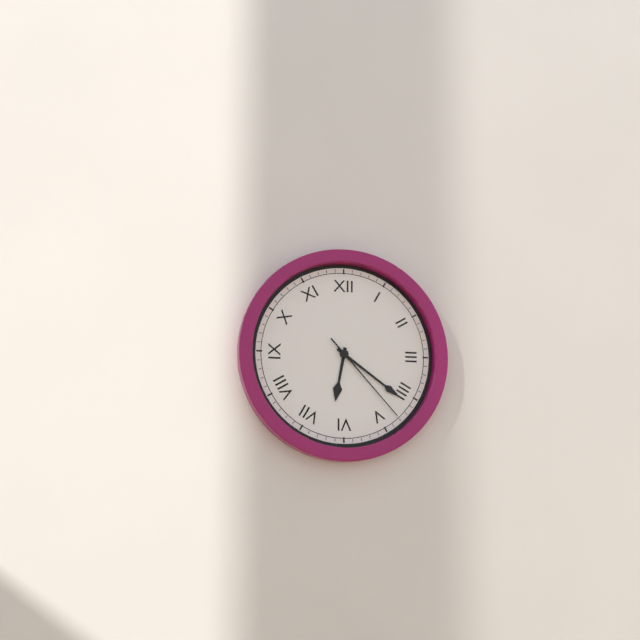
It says 6:21:23
